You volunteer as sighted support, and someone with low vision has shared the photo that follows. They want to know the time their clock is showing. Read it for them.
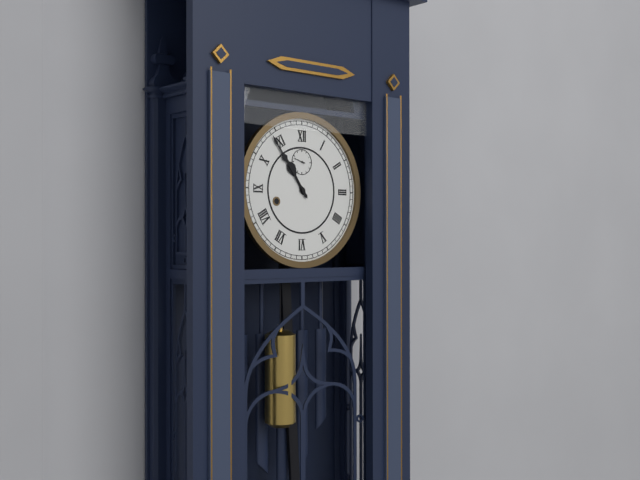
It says 10:54
